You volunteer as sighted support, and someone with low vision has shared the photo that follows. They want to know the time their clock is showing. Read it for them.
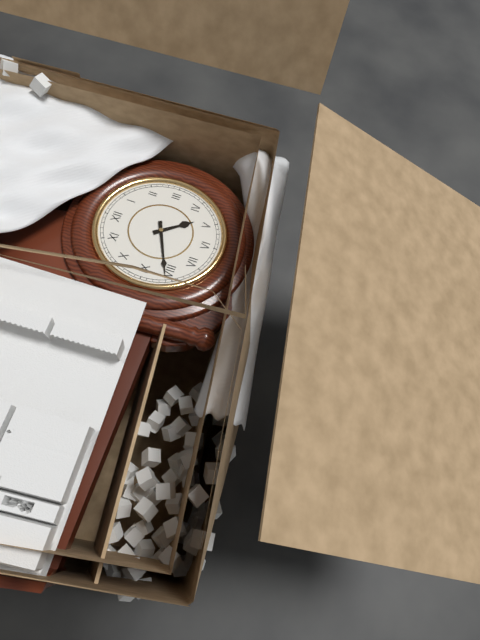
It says 4:41
